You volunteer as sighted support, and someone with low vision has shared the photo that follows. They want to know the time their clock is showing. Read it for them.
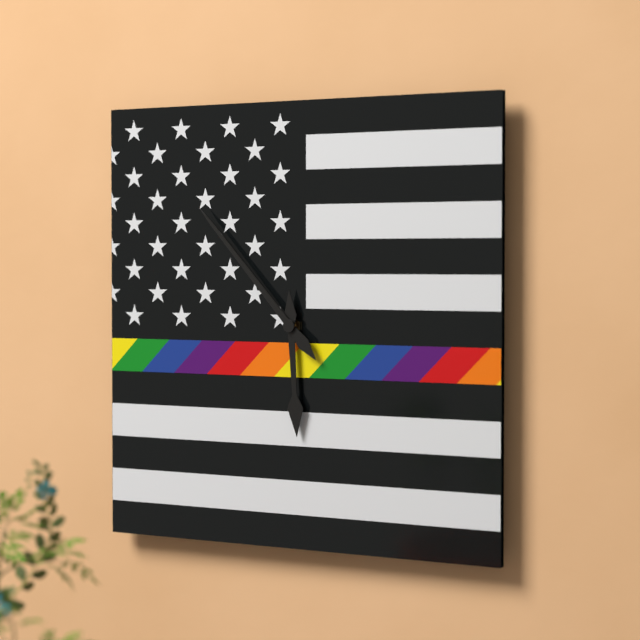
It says 5:53
